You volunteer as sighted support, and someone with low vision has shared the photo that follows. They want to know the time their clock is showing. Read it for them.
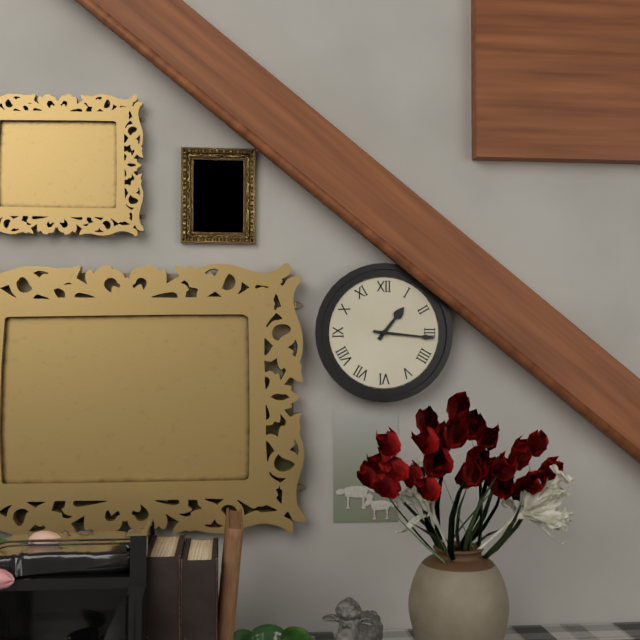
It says 1:16
